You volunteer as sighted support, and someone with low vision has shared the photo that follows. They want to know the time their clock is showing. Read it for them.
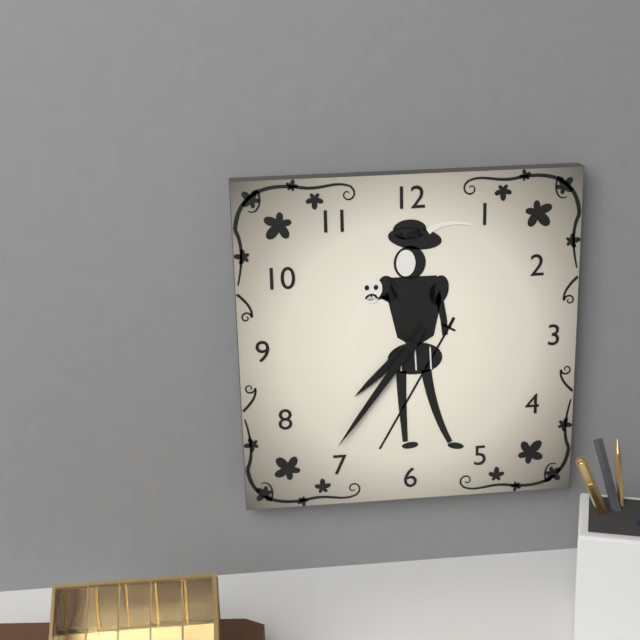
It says 7:36
